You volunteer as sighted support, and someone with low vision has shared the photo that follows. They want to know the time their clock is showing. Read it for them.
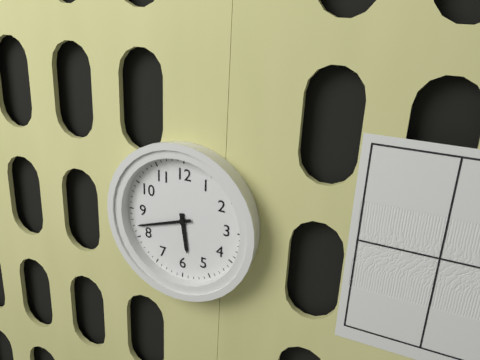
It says 5:42
